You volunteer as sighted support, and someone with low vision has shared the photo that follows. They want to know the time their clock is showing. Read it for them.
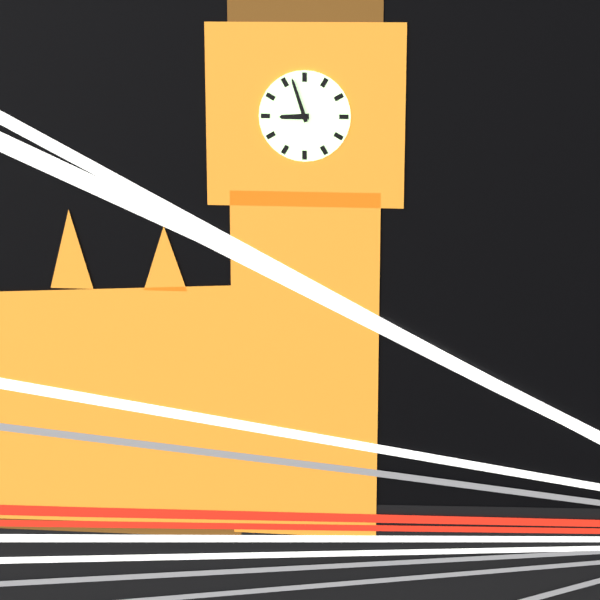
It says 8:57
